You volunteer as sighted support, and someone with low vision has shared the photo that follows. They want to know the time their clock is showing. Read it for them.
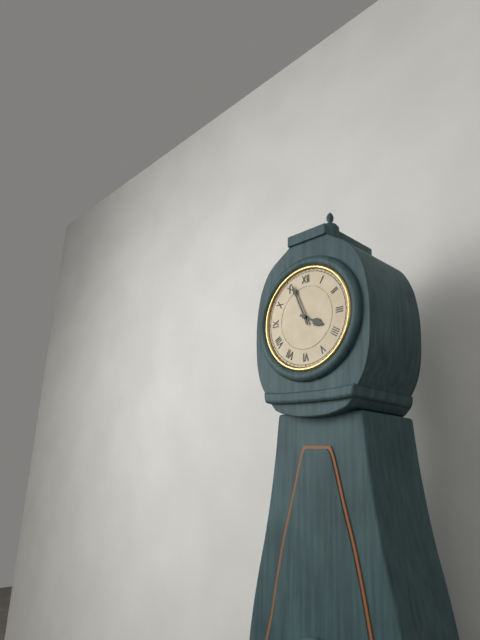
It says 3:56
